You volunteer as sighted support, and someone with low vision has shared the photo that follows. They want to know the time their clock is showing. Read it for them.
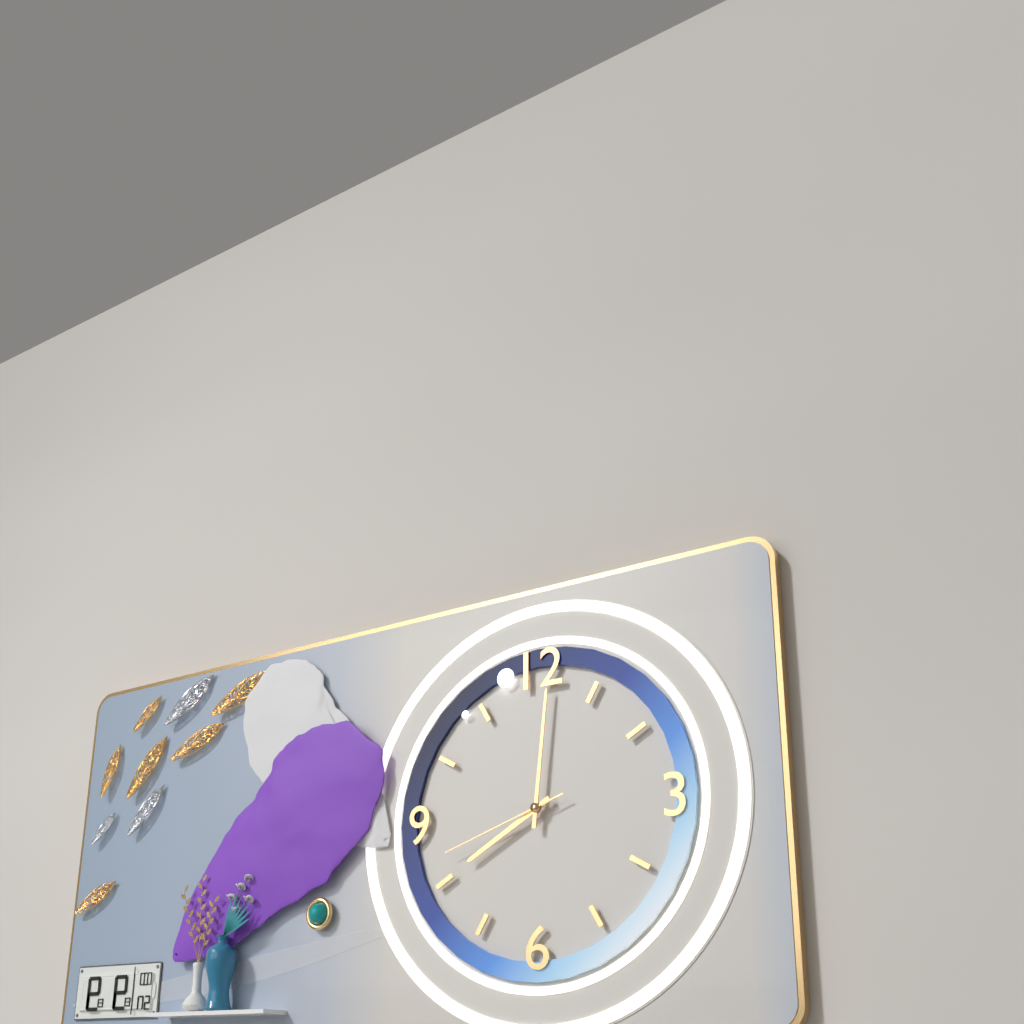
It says 8:01:42
